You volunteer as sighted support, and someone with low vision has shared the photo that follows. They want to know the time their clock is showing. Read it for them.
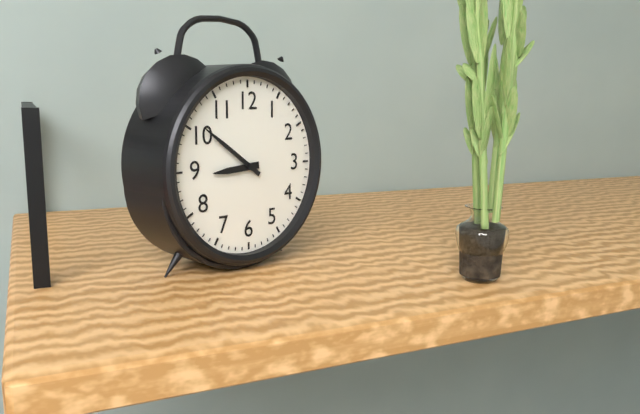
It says 8:51
